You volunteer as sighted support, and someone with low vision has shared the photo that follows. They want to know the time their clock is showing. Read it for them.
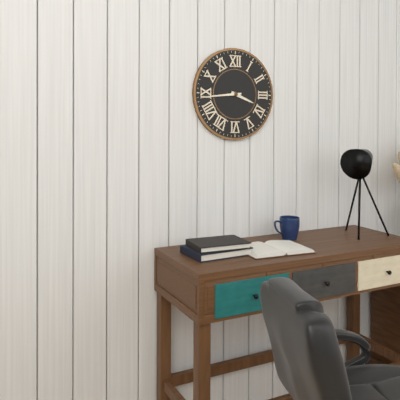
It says 3:44
